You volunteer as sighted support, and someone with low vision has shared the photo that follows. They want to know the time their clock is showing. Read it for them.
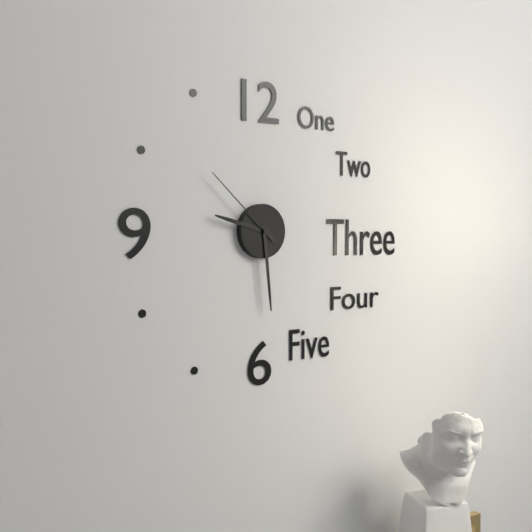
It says 9:29:52
